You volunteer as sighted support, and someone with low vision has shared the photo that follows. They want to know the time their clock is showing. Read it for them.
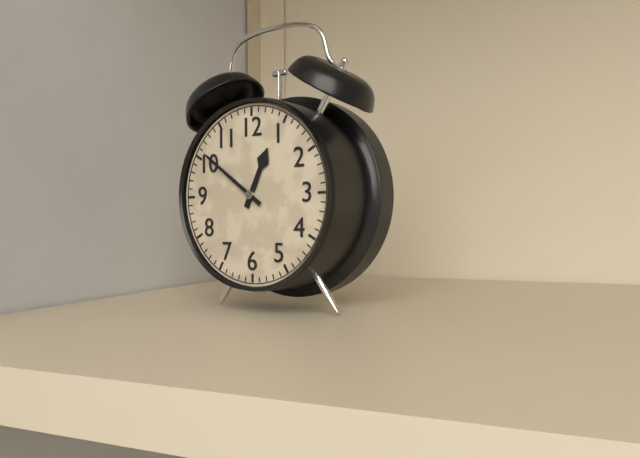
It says 12:51
